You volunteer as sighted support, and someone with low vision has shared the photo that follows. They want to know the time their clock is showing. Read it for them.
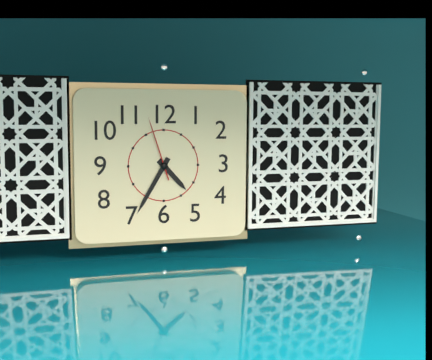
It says 4:35:57
